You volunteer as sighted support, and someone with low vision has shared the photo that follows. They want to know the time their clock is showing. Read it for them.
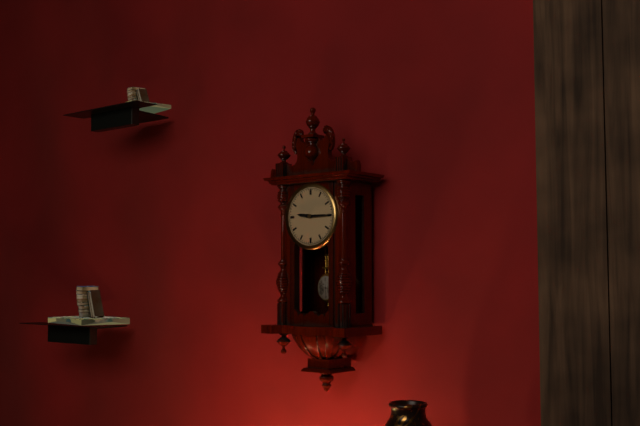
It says 9:15
